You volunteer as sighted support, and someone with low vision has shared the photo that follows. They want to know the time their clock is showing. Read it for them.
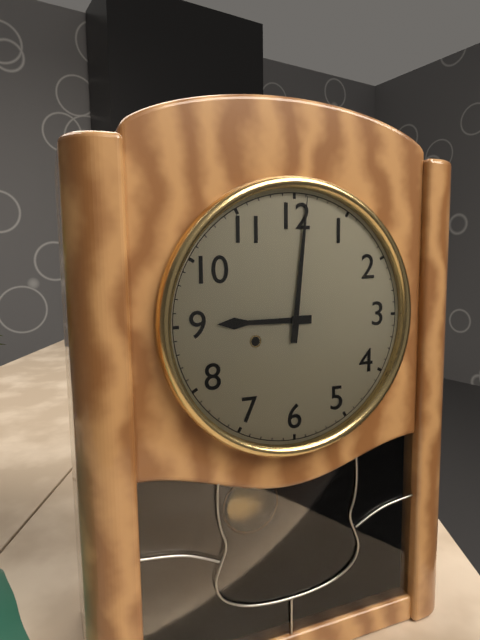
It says 9:01
